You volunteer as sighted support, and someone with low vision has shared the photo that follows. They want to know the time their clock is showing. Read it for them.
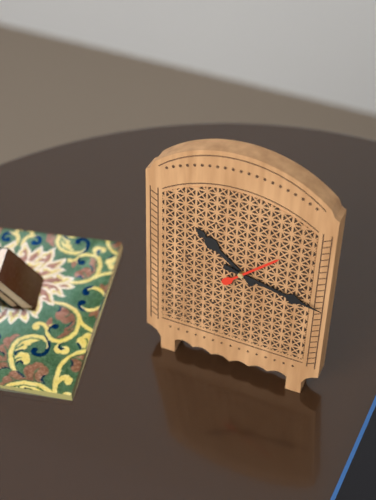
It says 10:17:08
